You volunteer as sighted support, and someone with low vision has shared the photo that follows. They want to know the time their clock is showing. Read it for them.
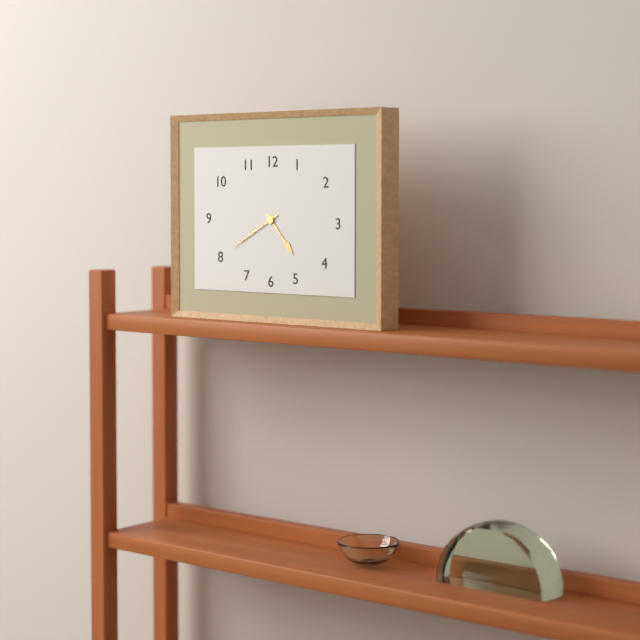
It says 4:40
